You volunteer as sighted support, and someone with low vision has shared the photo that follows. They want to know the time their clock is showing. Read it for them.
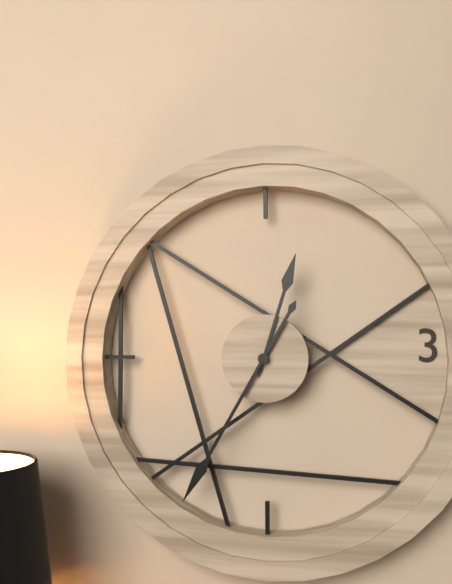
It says 12:35
